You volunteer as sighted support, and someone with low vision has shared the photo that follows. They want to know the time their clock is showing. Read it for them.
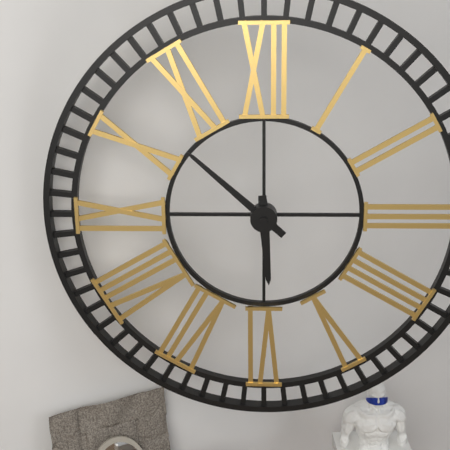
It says 5:52
